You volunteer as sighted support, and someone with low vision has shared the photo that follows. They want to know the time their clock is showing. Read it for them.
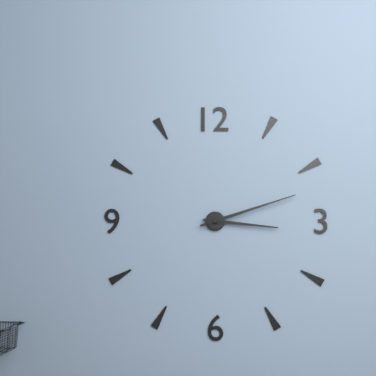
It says 3:12
